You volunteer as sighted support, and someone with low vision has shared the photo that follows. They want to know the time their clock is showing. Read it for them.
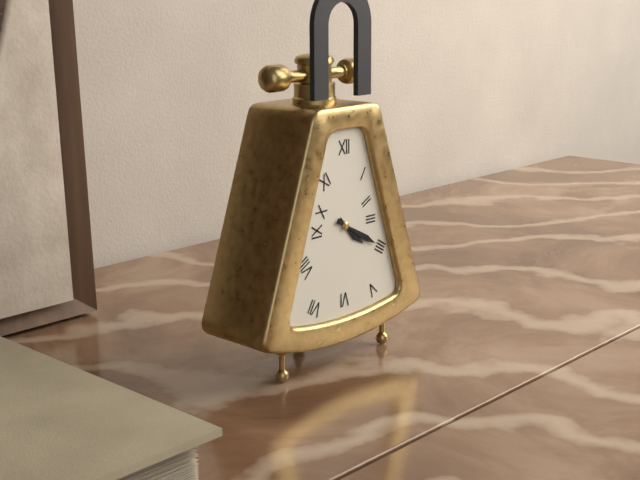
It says 4:20
